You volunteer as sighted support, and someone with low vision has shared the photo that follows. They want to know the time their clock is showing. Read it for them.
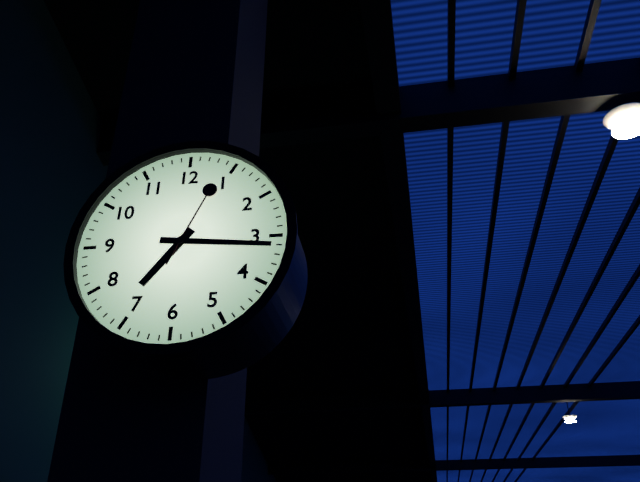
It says 7:16:04
